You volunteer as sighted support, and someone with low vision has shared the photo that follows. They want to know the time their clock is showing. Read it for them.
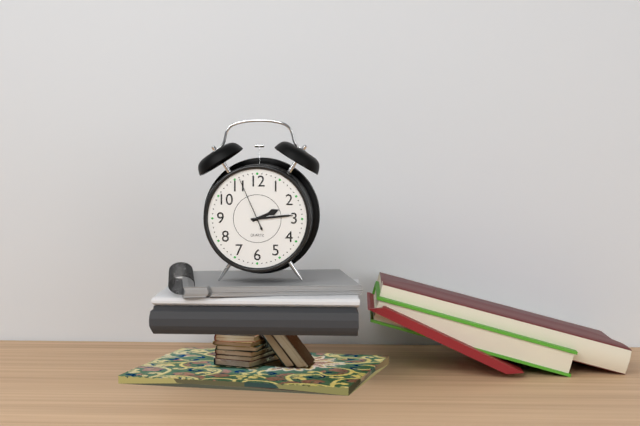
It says 2:14:56
